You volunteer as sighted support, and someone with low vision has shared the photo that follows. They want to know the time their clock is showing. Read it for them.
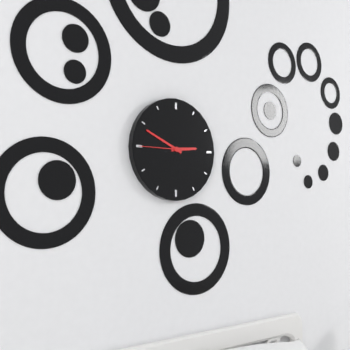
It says 2:49
